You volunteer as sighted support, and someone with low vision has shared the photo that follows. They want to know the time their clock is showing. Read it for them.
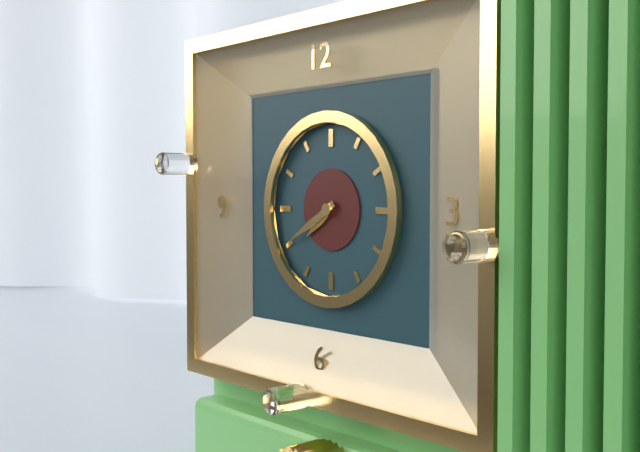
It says 7:40
